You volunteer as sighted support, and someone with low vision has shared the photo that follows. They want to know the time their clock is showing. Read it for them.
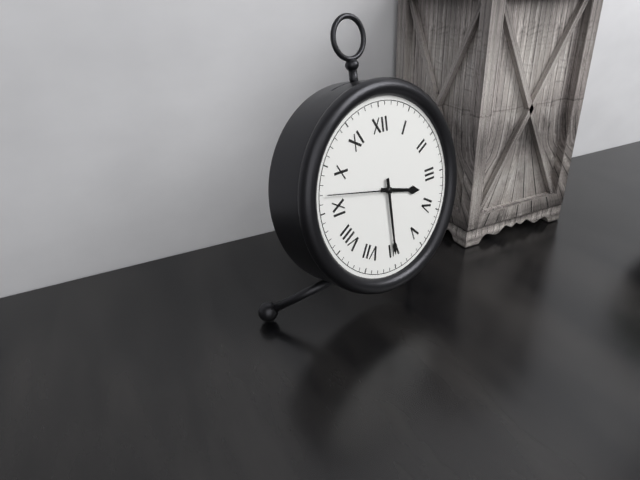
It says 3:30:47
